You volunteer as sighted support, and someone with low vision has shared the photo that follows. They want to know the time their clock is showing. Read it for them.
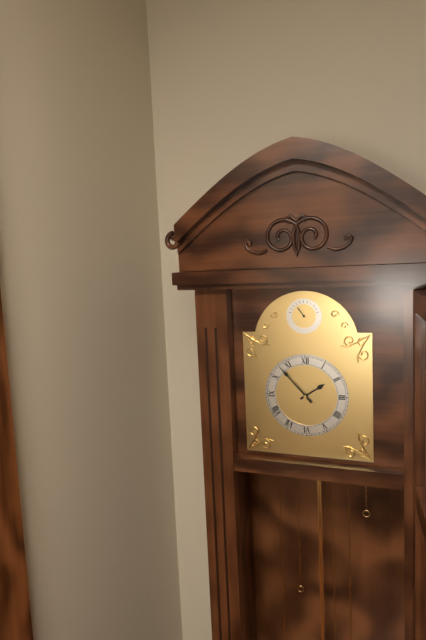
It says 1:53
